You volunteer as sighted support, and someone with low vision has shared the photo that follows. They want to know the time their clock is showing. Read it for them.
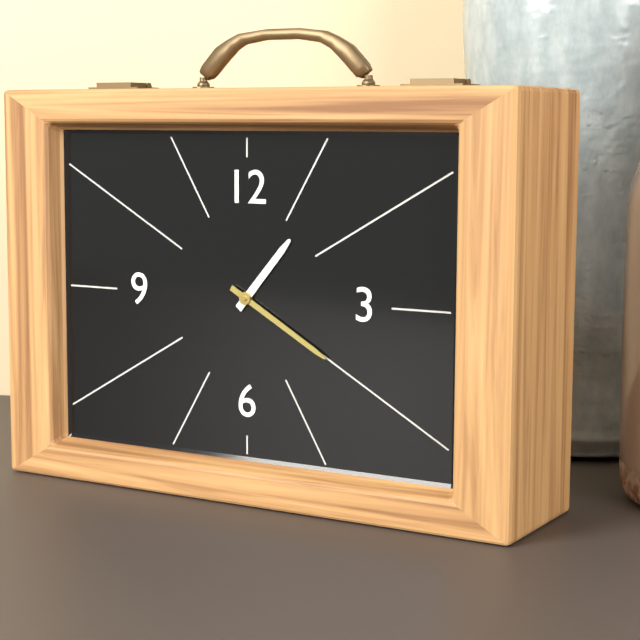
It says 1:20
